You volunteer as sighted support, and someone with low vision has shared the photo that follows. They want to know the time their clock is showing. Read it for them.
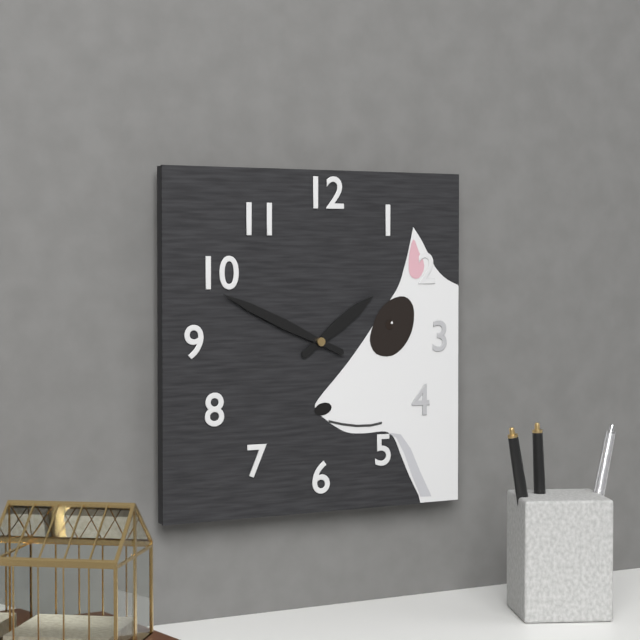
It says 1:49
